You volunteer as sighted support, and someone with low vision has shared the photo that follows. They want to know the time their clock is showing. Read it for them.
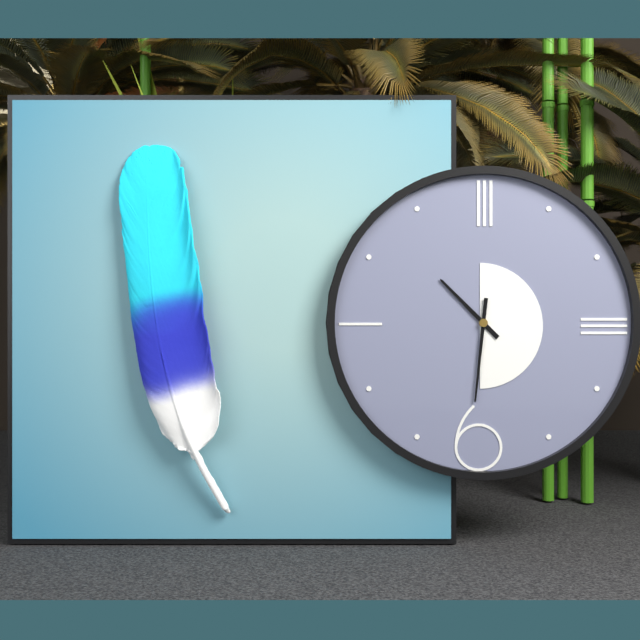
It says 10:31
